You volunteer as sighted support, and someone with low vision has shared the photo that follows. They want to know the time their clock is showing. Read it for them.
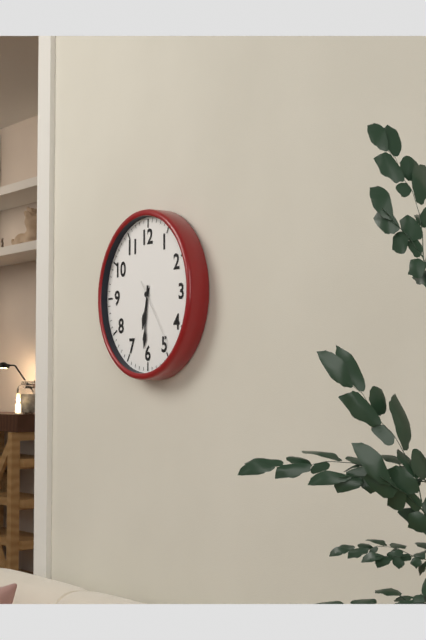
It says 6:31:24
